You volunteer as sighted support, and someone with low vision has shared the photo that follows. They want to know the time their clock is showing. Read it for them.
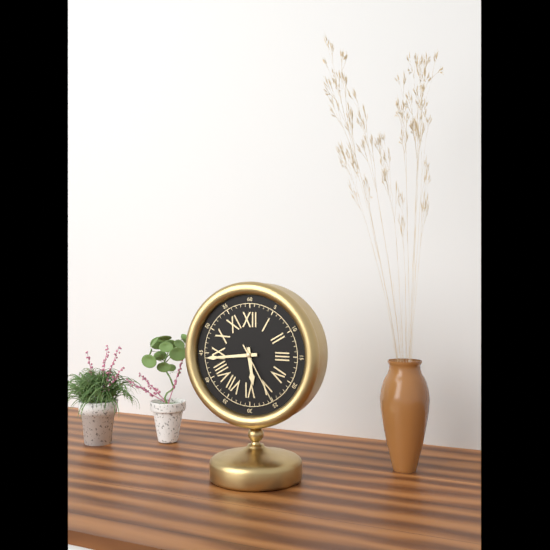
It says 5:44:25
